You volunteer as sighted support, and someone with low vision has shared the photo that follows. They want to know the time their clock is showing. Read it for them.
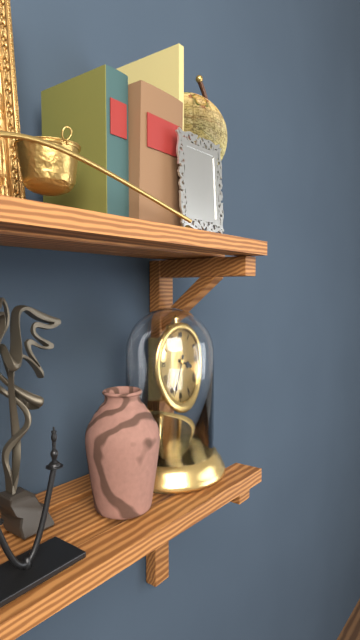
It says 3:34
